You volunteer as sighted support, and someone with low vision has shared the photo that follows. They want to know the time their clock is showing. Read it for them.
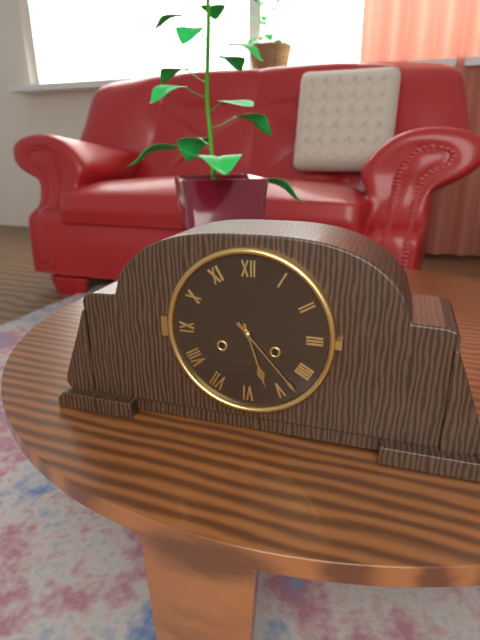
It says 5:23
